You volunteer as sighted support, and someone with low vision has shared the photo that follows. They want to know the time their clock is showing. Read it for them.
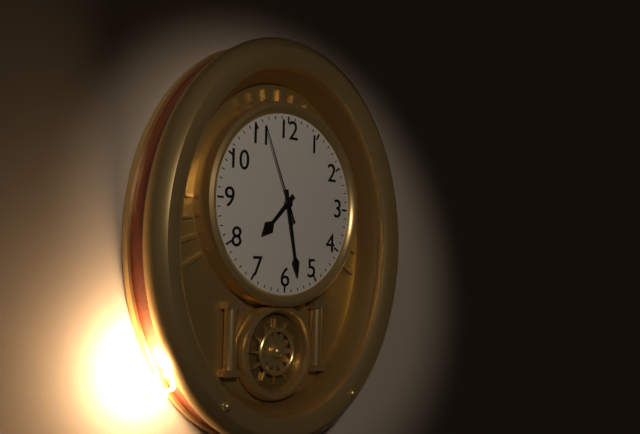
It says 7:28:56
